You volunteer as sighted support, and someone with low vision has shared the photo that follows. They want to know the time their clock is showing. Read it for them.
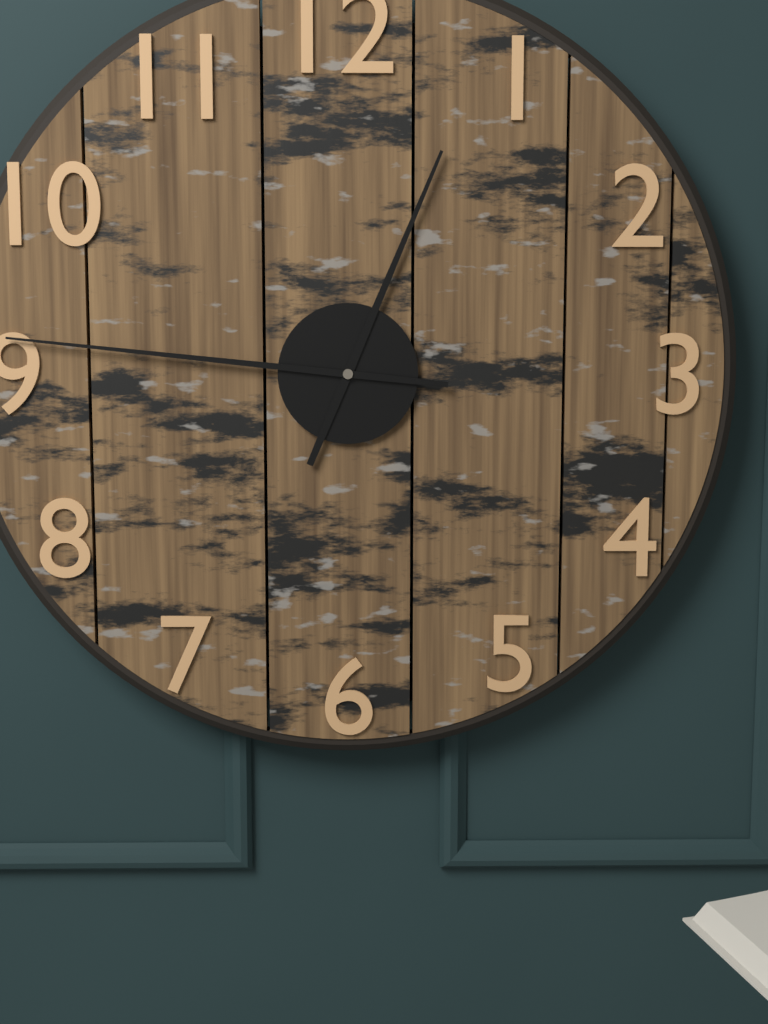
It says 12:46
